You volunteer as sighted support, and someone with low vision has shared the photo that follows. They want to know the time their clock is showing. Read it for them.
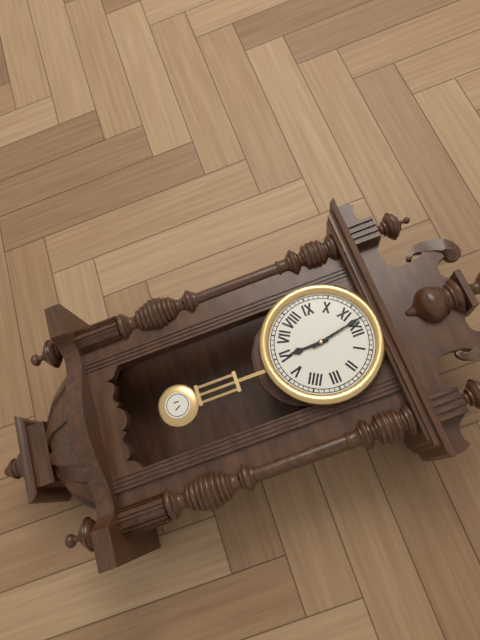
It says 5:58
